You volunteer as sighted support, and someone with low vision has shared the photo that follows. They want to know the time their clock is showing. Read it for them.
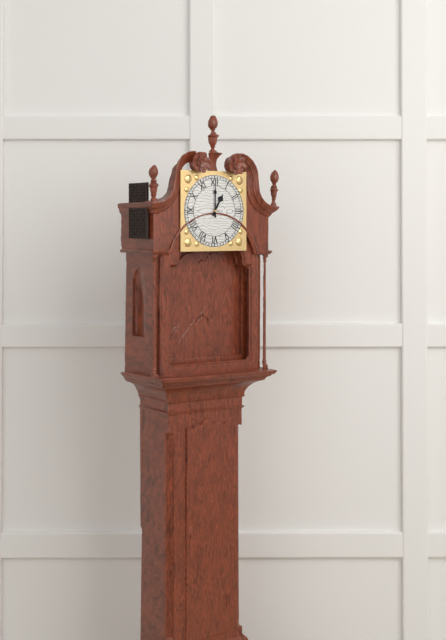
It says 1:00
